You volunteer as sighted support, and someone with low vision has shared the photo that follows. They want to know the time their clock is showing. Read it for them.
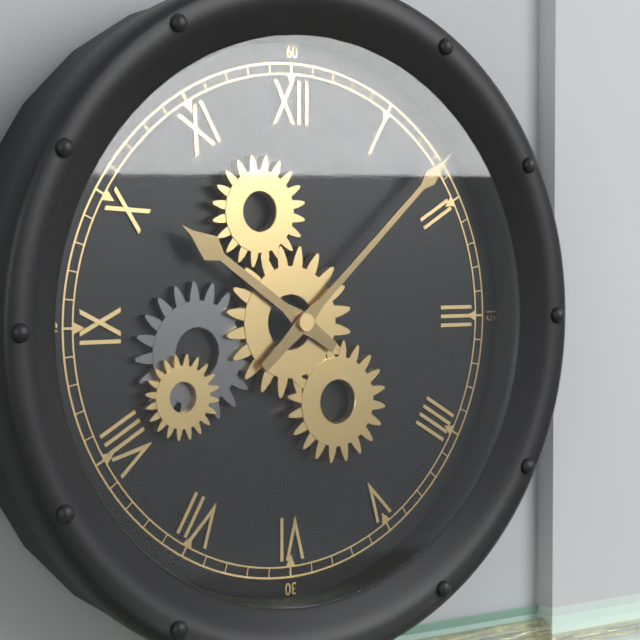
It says 10:08
